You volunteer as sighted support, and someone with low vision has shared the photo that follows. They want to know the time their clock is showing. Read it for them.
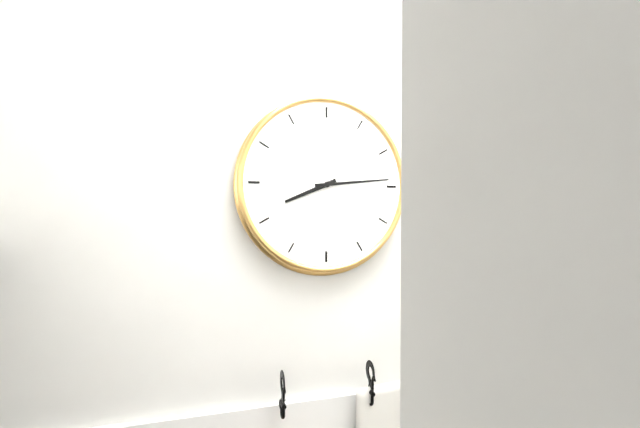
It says 8:14
